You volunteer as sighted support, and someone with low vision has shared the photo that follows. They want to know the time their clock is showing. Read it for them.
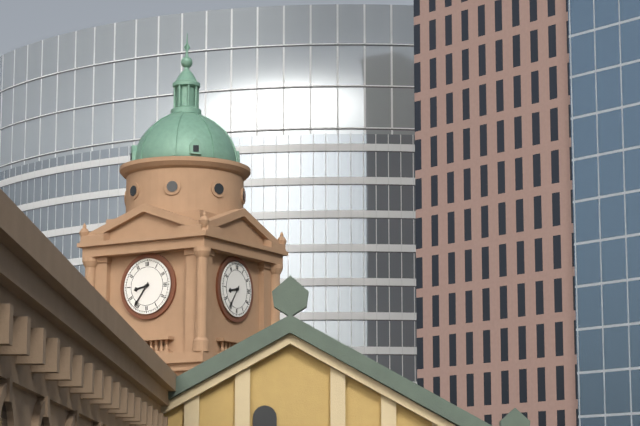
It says 8:36
